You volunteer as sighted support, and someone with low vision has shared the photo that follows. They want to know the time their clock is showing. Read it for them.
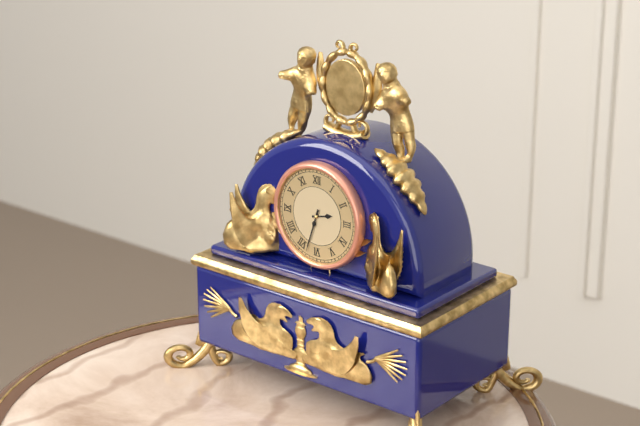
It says 2:33
